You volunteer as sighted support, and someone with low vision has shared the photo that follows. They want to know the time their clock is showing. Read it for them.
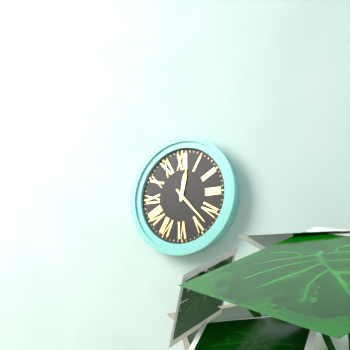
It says 12:23
